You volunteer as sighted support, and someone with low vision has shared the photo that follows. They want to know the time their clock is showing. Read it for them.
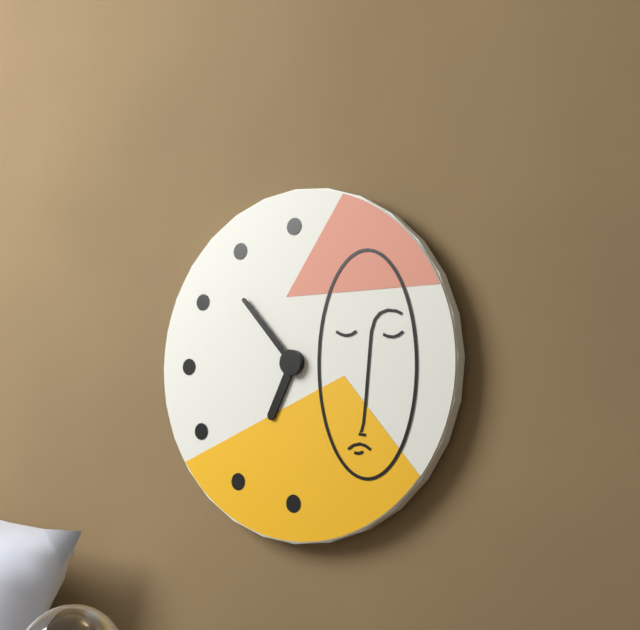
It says 6:53
